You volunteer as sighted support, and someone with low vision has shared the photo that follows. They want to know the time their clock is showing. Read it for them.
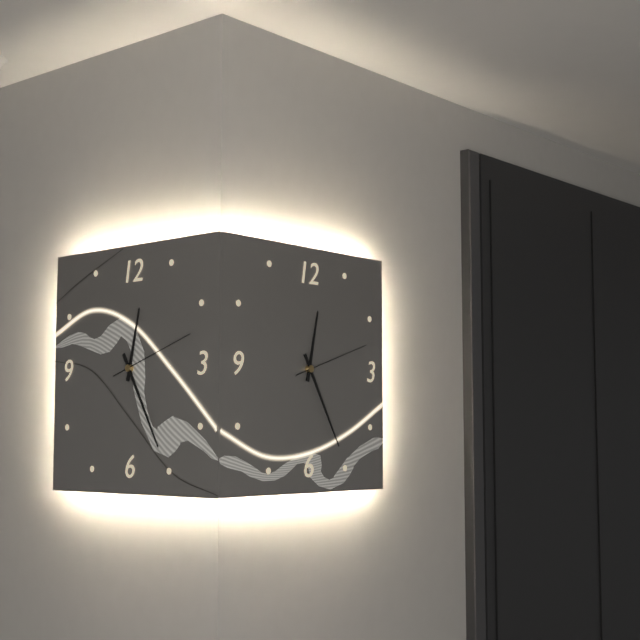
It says 12:25:12
